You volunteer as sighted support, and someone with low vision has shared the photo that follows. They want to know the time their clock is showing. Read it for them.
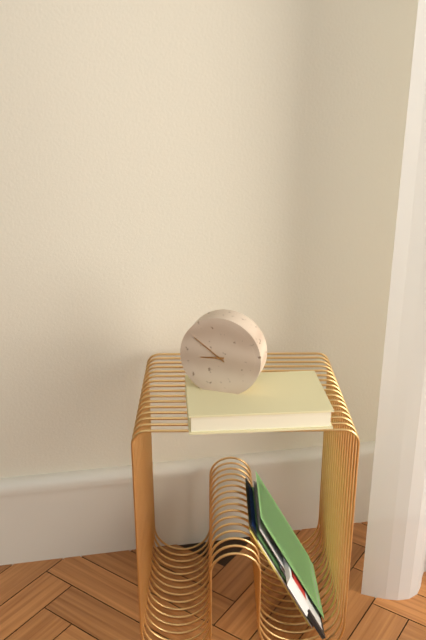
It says 8:51
